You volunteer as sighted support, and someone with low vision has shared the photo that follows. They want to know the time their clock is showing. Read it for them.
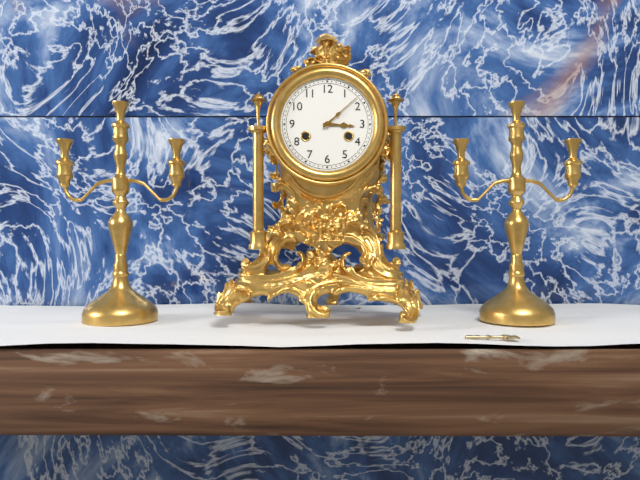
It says 3:08
